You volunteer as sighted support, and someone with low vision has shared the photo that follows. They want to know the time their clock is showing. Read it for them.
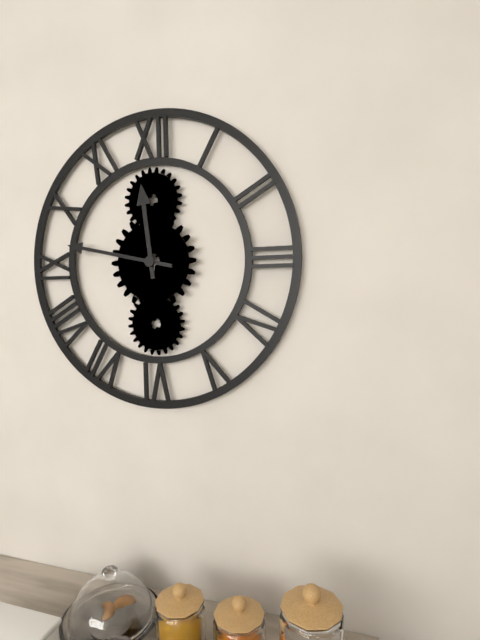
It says 11:47
